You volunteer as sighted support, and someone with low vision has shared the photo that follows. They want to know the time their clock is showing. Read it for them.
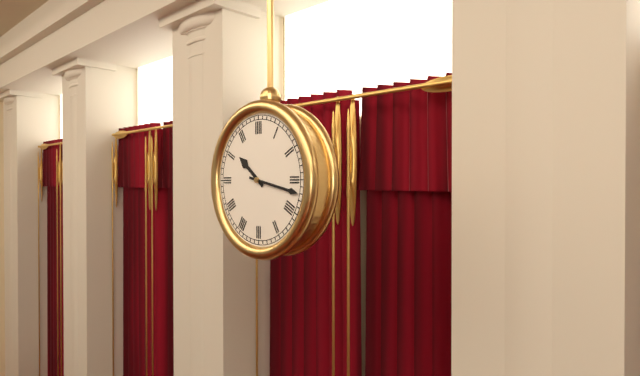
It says 10:17
